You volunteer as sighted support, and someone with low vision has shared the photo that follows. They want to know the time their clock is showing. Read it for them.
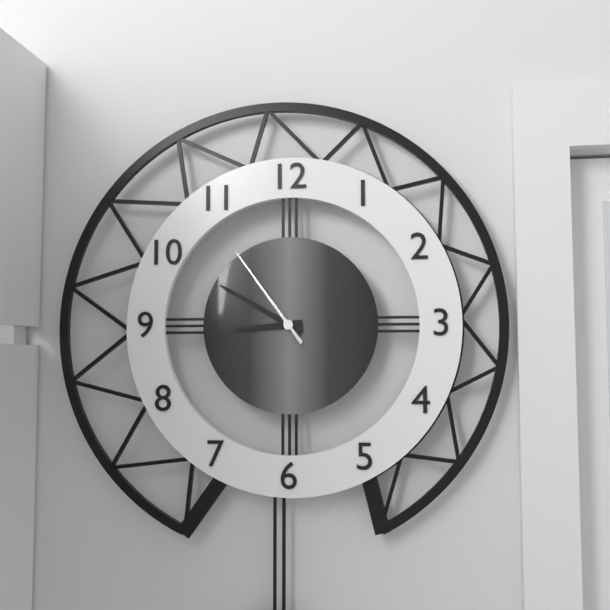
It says 8:50:54
